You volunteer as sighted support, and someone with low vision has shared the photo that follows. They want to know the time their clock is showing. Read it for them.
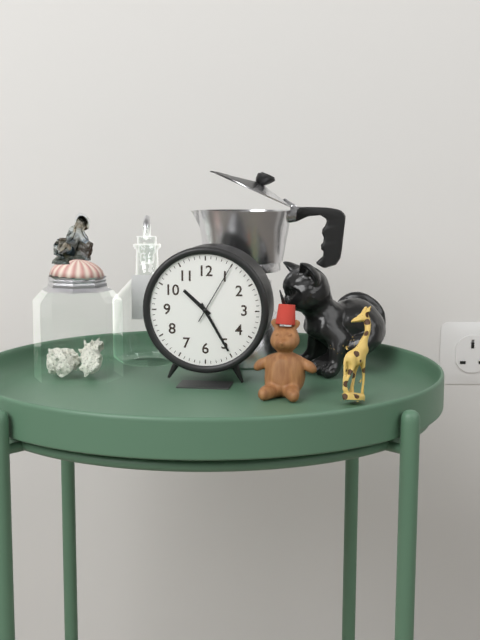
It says 10:25:05
